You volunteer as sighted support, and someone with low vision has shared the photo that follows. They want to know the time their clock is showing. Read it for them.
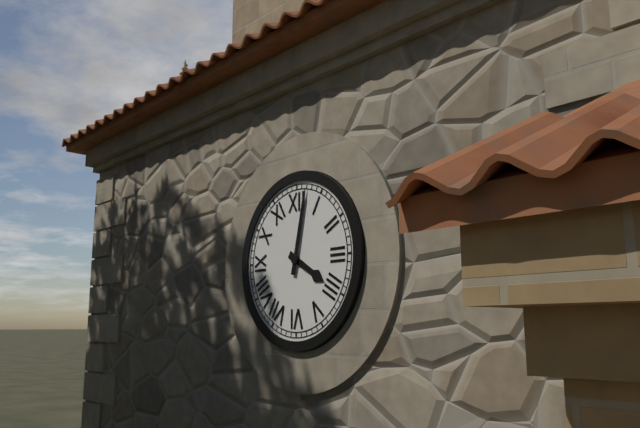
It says 4:02
